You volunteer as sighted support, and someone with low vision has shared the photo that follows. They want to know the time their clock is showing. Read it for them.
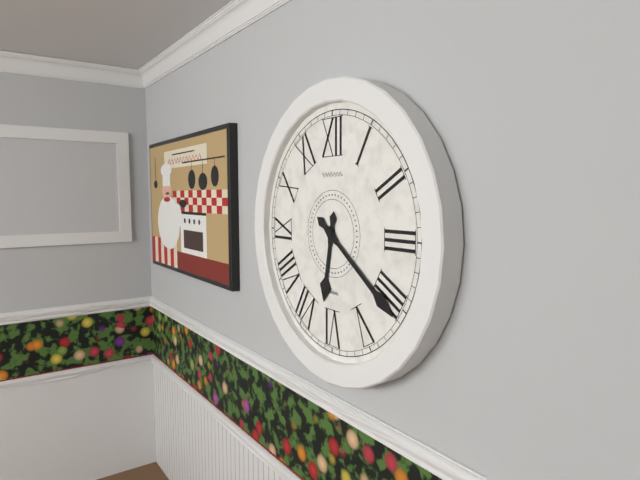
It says 6:21
